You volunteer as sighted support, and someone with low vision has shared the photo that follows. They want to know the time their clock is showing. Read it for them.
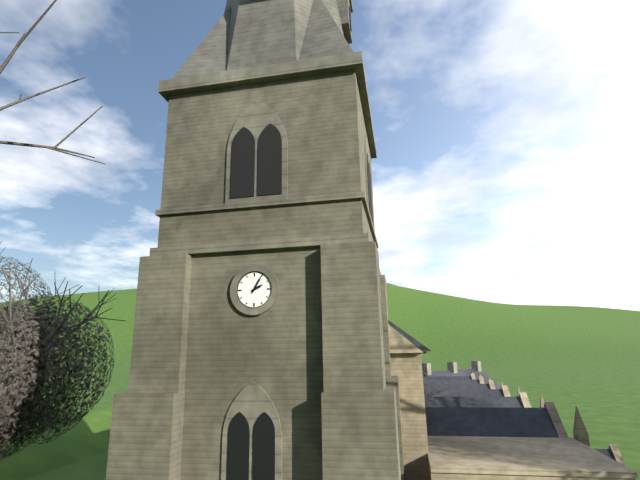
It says 2:05
